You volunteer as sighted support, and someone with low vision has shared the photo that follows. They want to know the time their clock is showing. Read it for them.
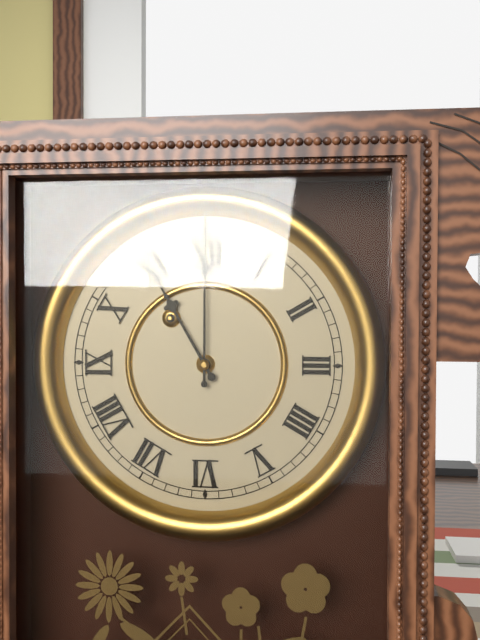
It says 11:00
